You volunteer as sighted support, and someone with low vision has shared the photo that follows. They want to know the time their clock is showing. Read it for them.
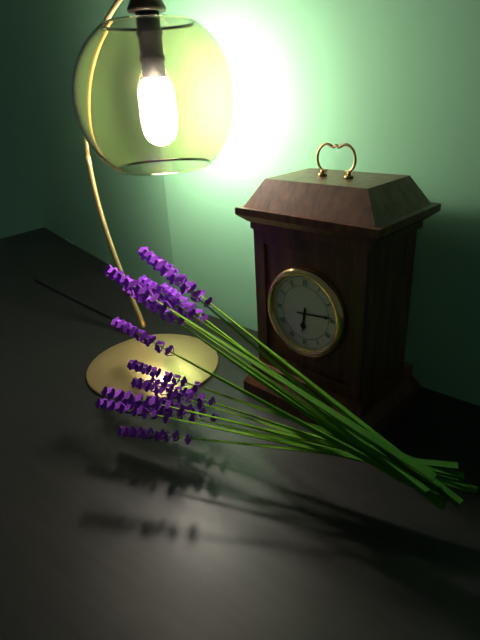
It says 6:14
